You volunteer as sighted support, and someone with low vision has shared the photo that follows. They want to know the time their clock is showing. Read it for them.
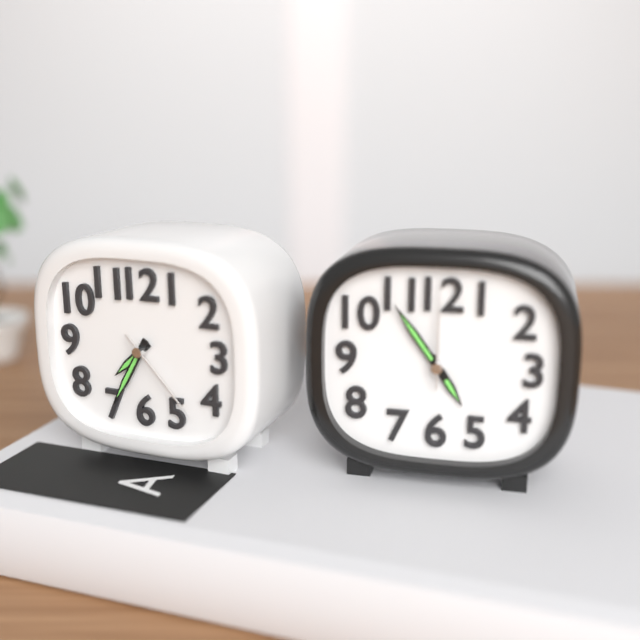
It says 7:35:23
